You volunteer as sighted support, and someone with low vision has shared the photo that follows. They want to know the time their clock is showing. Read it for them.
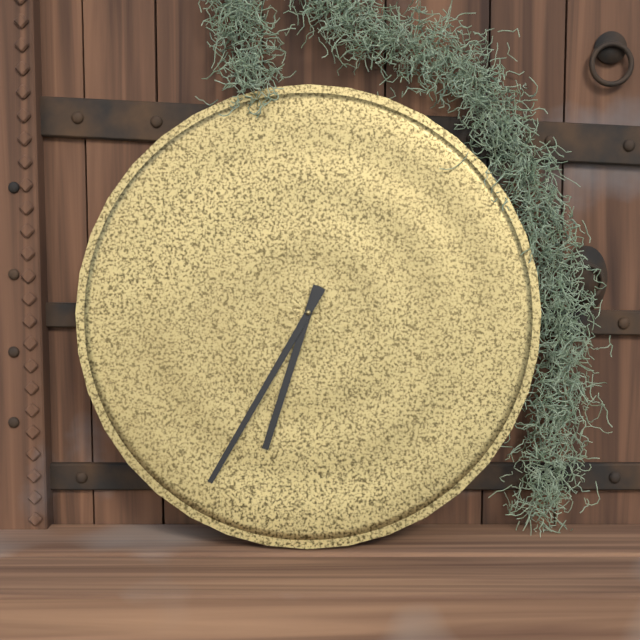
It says 6:35
